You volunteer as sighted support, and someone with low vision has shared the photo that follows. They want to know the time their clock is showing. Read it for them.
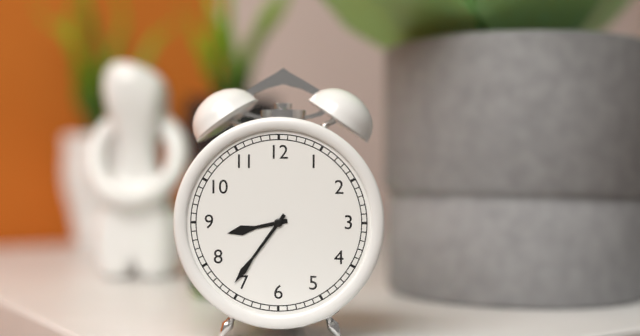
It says 8:36
